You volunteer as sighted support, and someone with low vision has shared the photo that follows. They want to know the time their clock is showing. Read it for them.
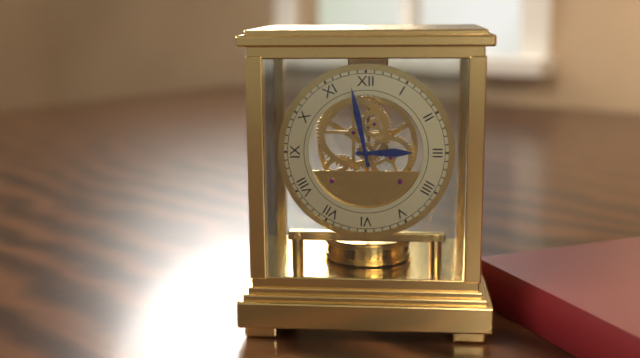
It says 2:58
